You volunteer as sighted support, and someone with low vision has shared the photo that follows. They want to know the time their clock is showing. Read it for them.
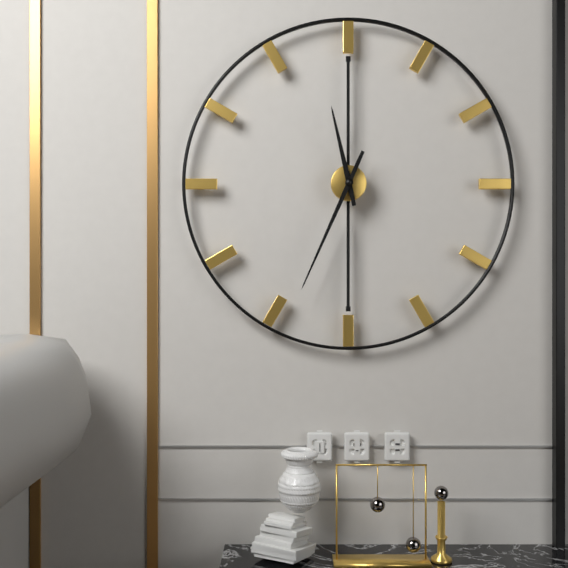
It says 11:34
